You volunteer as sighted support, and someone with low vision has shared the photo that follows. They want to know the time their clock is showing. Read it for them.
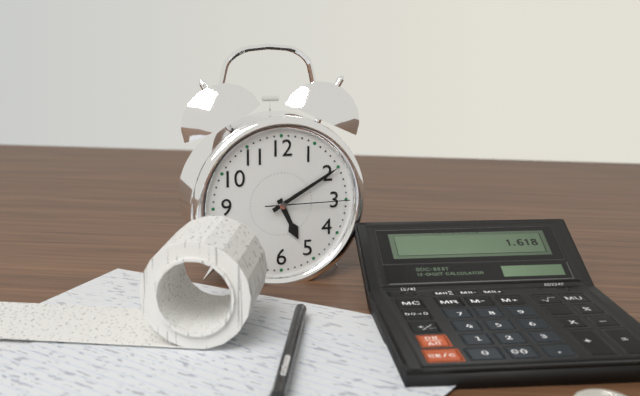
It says 5:10:15
